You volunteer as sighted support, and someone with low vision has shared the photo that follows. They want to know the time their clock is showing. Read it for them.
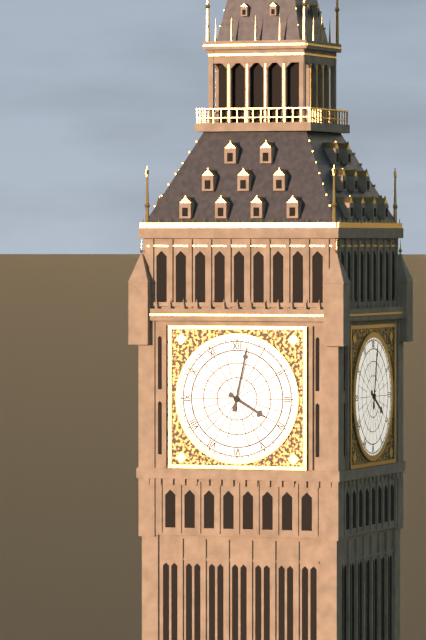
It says 4:02
